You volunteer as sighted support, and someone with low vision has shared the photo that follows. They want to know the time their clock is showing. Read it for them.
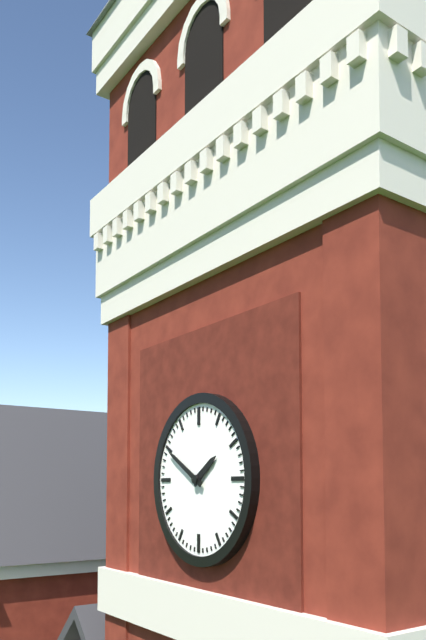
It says 1:50
